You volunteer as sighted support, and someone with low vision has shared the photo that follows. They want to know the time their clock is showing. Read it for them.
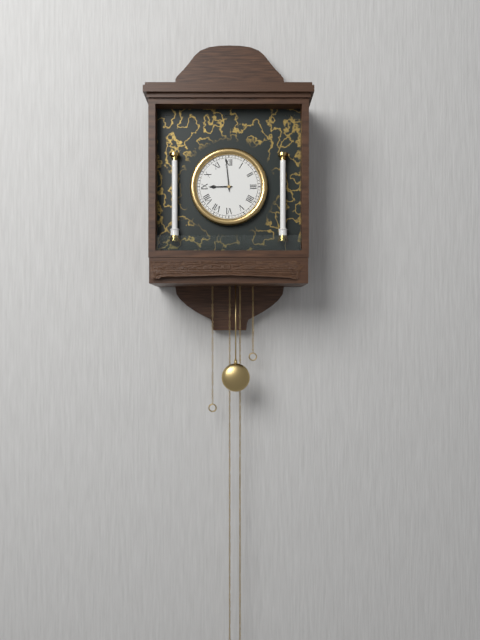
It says 8:59
